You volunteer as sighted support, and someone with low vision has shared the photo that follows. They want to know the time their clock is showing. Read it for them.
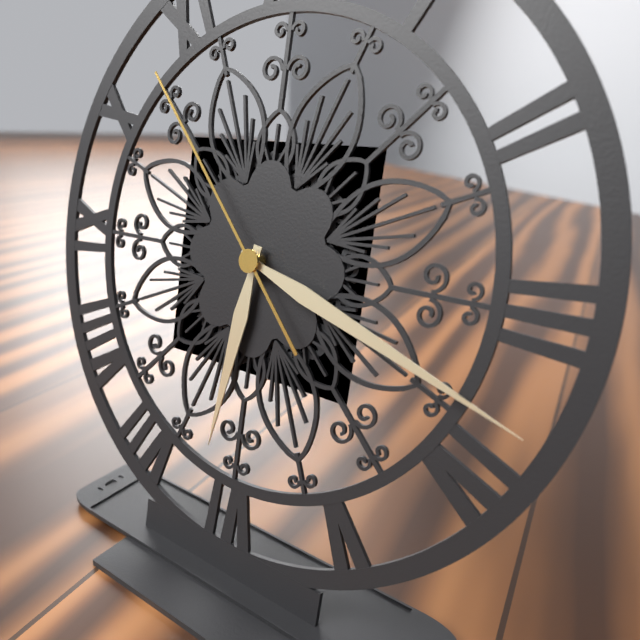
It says 6:18:53
